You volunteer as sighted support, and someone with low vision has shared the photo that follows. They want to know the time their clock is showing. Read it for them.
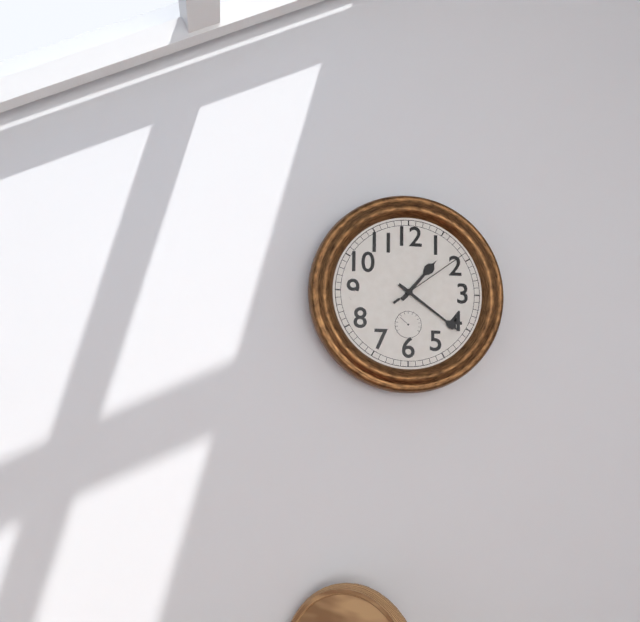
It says 1:21:09
